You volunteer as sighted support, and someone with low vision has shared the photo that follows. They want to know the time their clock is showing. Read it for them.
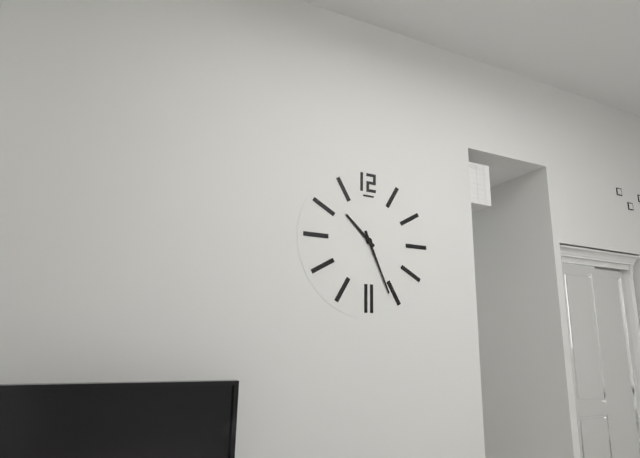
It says 10:26
